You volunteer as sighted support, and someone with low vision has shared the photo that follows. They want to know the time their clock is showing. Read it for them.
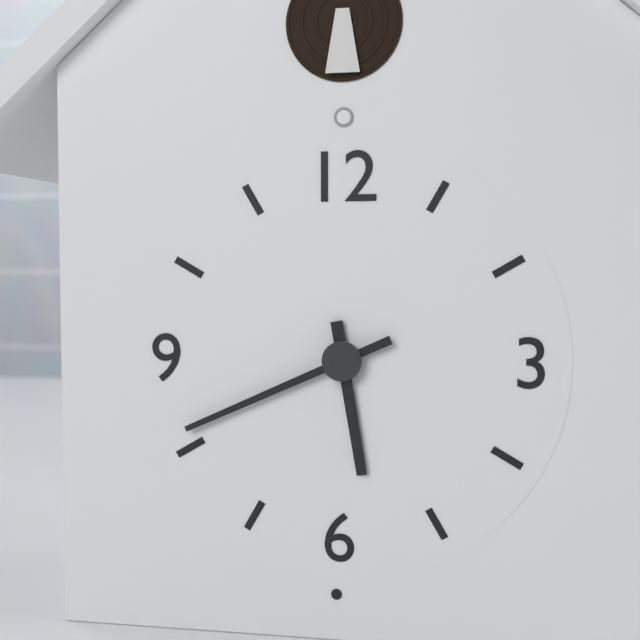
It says 5:41
